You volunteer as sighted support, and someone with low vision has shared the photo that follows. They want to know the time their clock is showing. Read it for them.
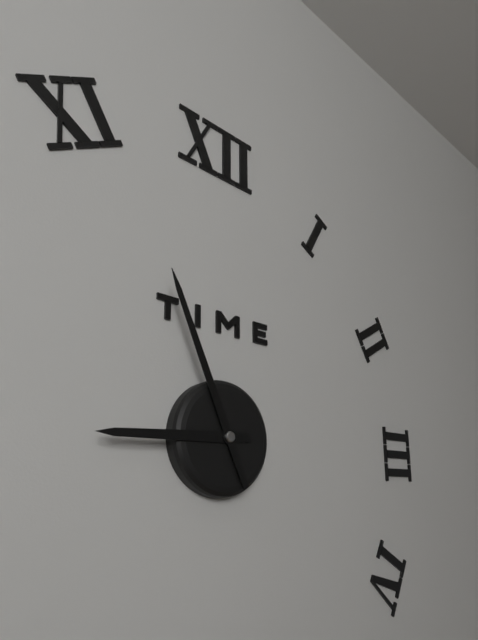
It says 8:56
